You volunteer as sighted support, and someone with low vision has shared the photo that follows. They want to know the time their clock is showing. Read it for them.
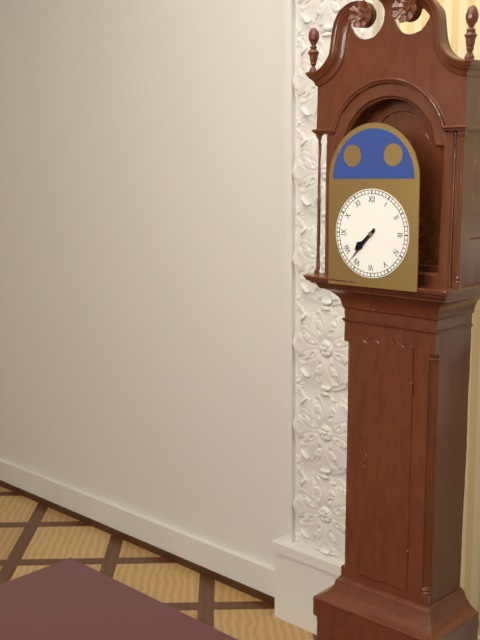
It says 7:37
